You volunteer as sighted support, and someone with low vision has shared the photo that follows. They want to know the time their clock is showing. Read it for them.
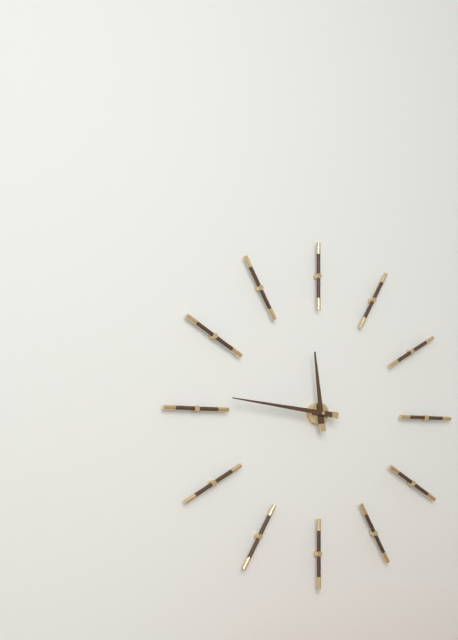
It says 11:46
